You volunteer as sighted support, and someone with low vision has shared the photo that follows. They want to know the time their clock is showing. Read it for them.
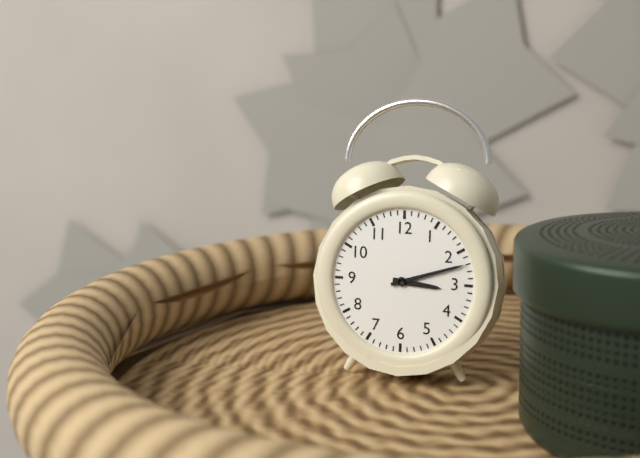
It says 3:12
